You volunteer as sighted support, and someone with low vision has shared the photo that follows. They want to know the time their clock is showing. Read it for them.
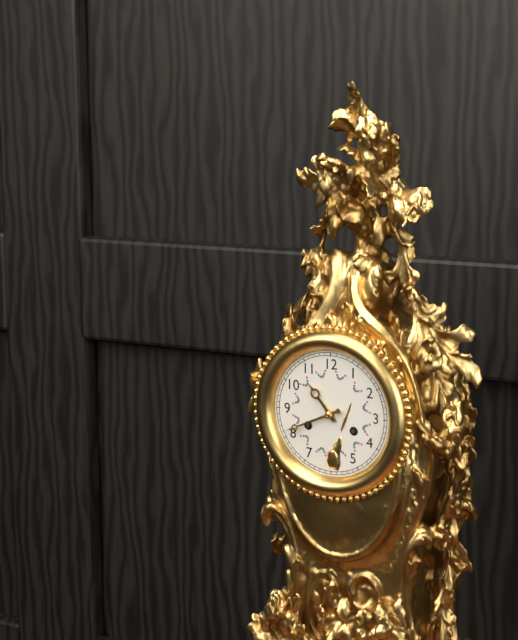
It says 10:41
